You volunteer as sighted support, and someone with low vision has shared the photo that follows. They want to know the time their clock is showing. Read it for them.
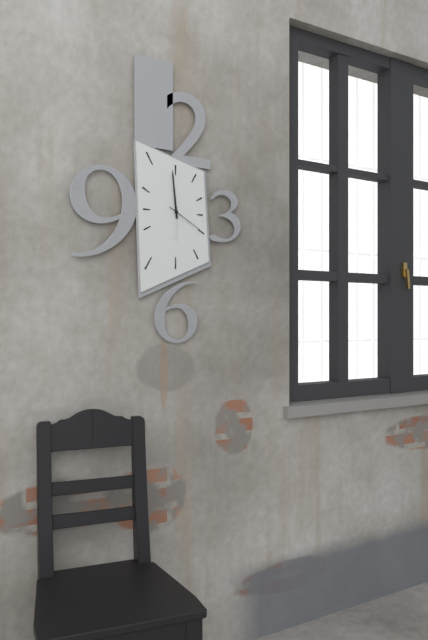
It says 5:59
